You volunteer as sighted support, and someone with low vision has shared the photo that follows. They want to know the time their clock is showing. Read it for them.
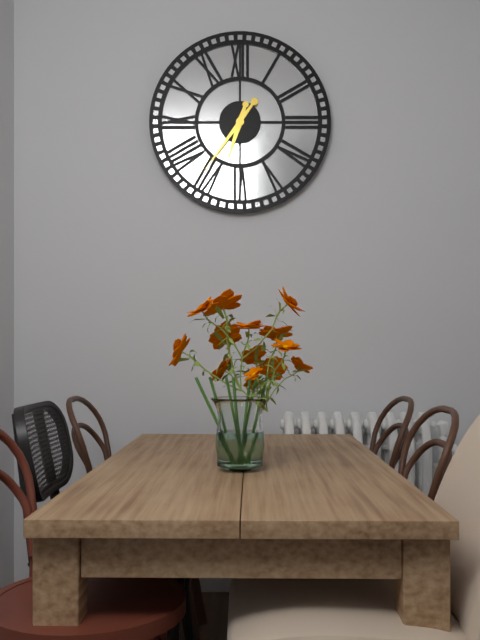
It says 6:36
